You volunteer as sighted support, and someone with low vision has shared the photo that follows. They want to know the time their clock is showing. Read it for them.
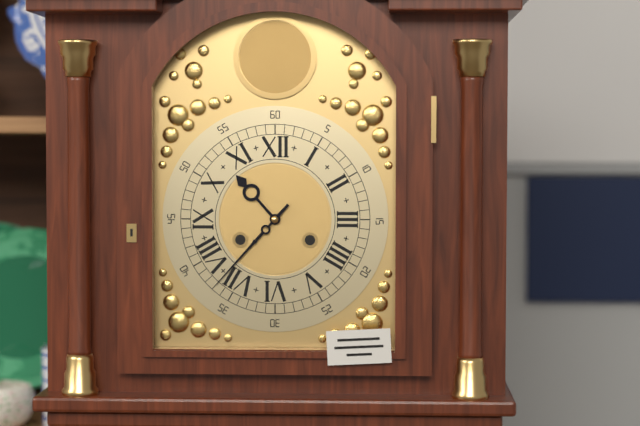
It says 10:37
